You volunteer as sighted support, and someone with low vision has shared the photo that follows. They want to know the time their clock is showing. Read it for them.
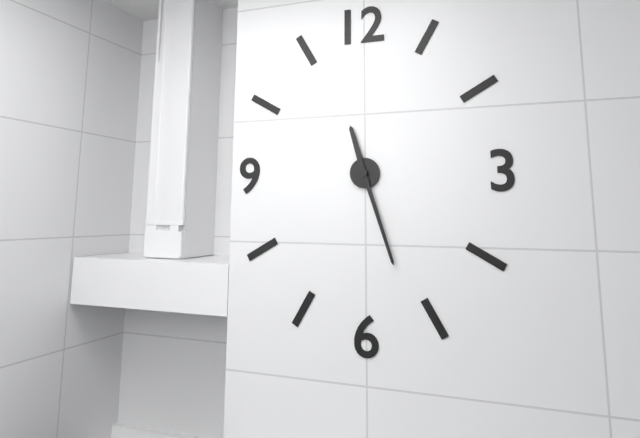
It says 11:27
